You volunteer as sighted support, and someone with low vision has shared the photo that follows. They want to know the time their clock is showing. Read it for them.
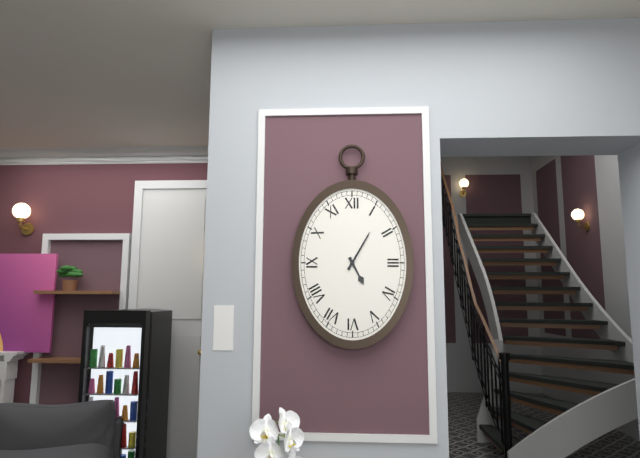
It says 5:05
